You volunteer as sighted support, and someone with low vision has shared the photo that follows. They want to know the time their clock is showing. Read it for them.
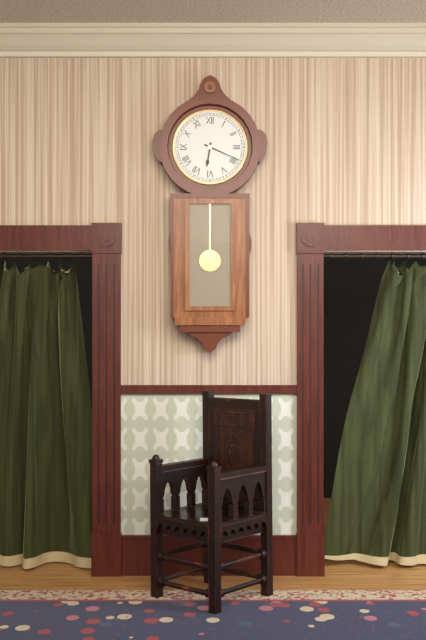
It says 6:19
